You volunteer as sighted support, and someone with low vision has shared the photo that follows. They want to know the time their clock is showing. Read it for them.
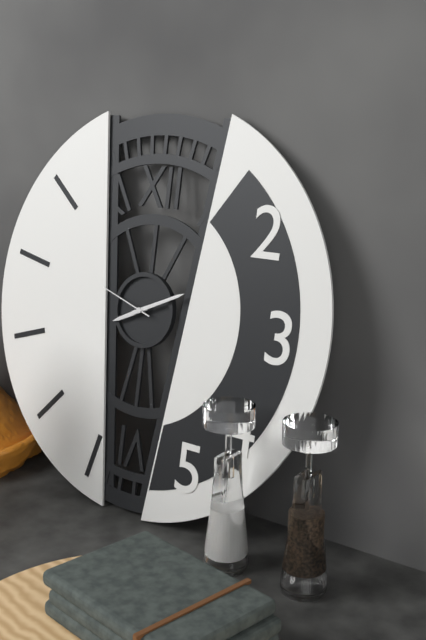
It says 8:11:48
